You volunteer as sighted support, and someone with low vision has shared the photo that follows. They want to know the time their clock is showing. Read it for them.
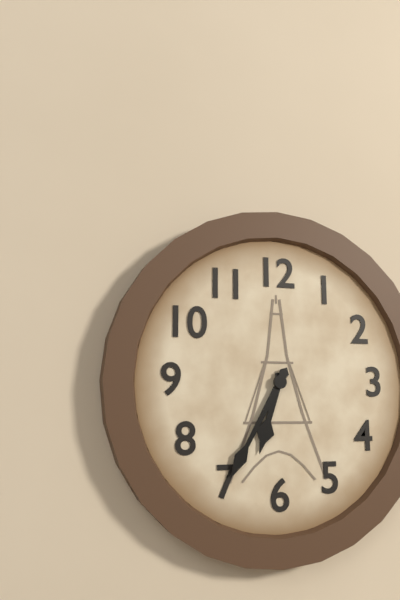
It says 6:35
